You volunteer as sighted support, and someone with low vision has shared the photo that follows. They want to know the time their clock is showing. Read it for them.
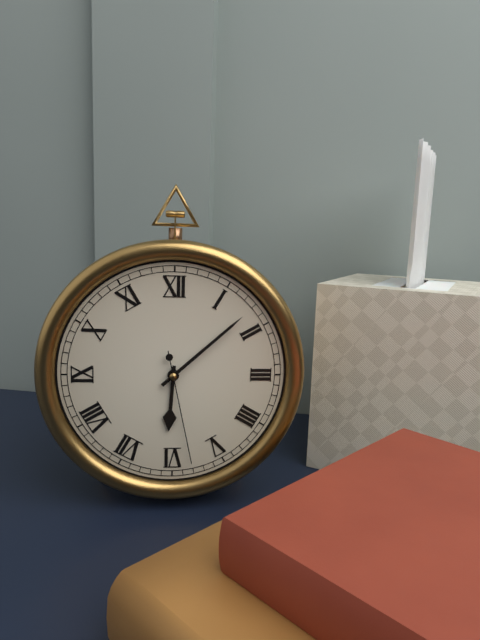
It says 6:08:28
